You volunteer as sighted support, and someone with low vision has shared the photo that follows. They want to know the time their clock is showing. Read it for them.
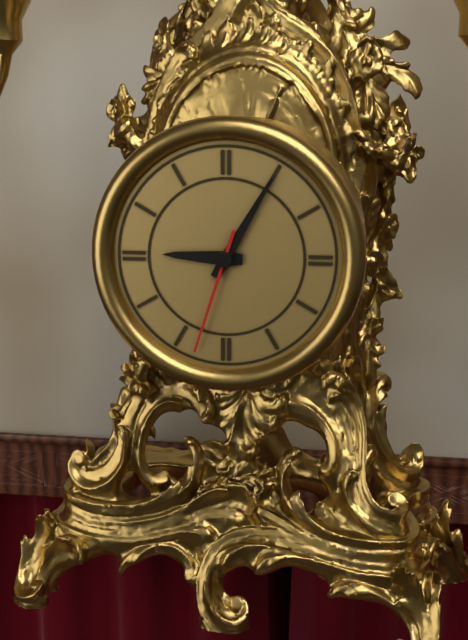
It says 9:05:33
